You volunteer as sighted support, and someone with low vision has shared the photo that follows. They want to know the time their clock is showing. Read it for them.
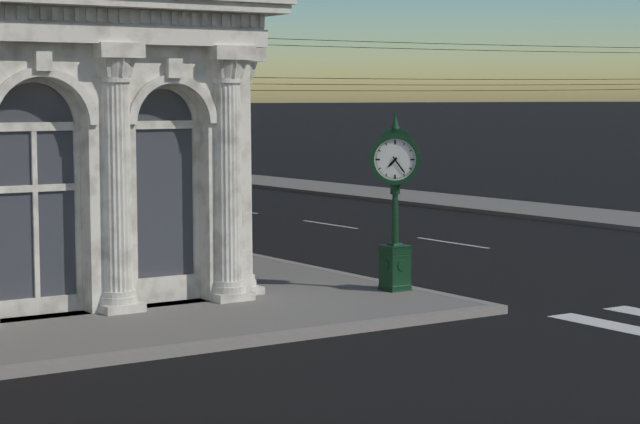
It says 7:24
